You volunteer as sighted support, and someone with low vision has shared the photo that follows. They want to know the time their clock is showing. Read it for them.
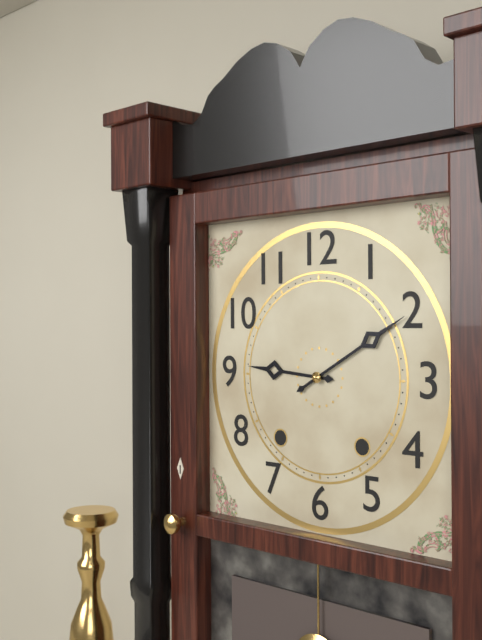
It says 9:10
